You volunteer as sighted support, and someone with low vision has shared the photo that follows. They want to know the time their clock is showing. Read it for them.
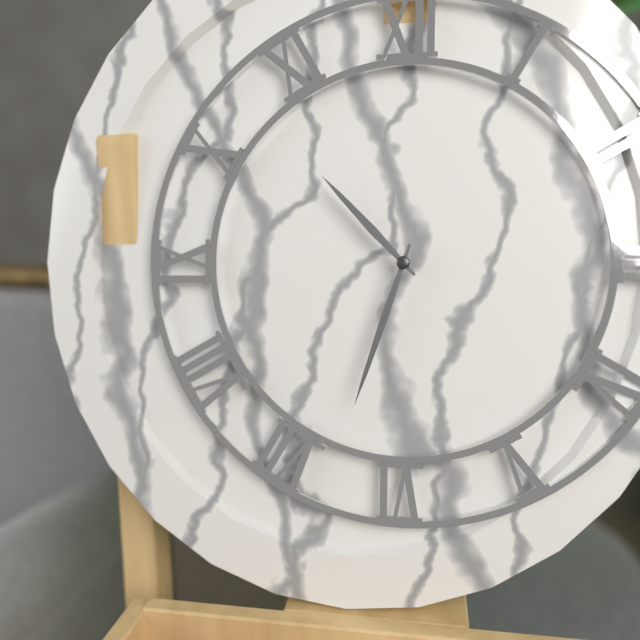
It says 10:33
